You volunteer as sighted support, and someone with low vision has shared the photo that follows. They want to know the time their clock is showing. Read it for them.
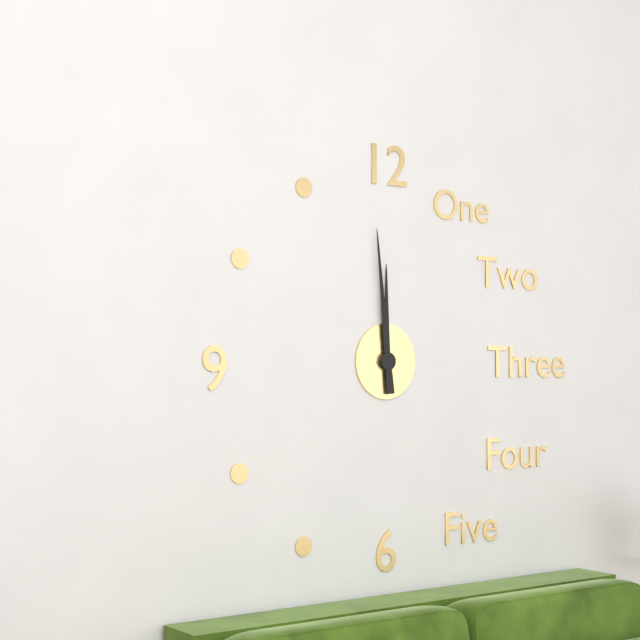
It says 11:59
